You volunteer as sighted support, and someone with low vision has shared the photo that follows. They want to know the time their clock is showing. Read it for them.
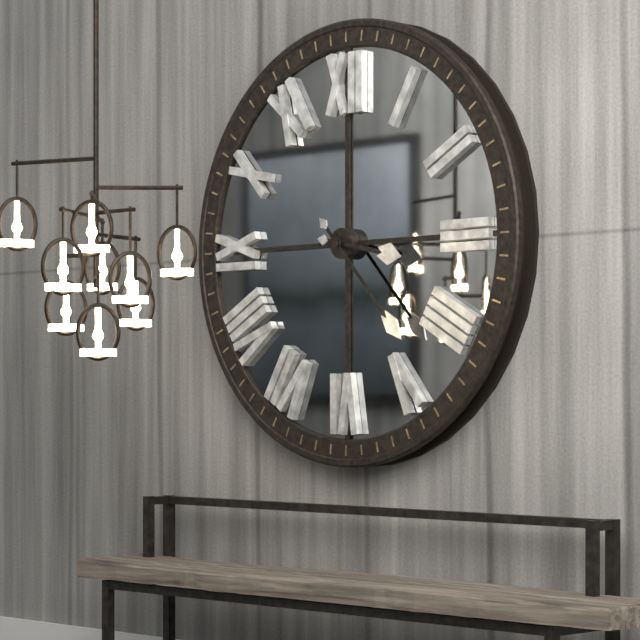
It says 3:23
